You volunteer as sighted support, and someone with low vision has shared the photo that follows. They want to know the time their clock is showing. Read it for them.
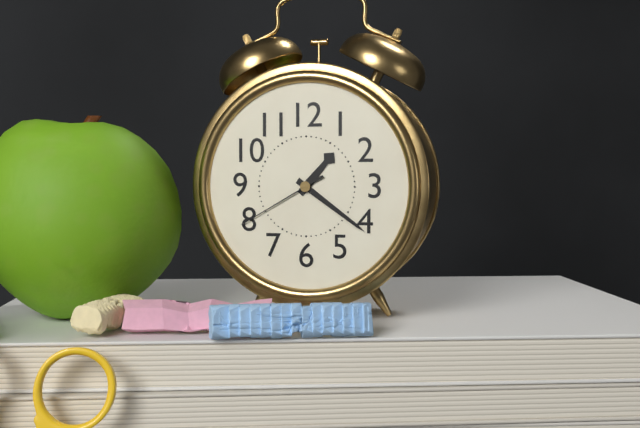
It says 1:21:40
